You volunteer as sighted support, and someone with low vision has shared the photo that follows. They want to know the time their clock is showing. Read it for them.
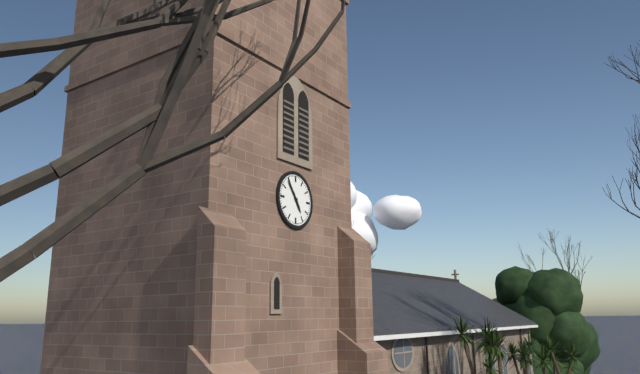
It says 4:54
